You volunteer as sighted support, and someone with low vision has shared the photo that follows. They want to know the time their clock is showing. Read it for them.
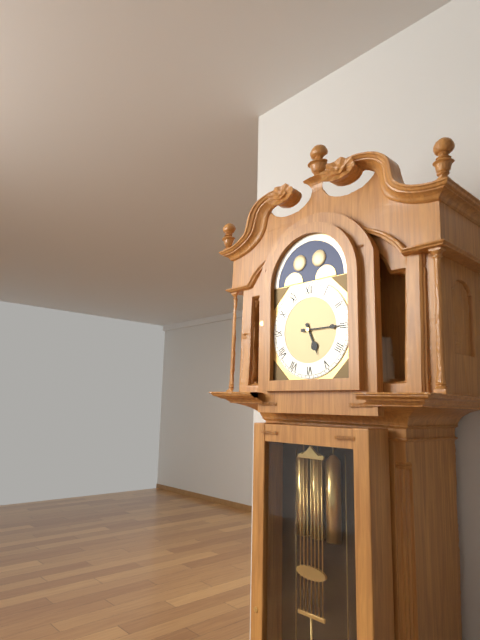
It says 5:15
